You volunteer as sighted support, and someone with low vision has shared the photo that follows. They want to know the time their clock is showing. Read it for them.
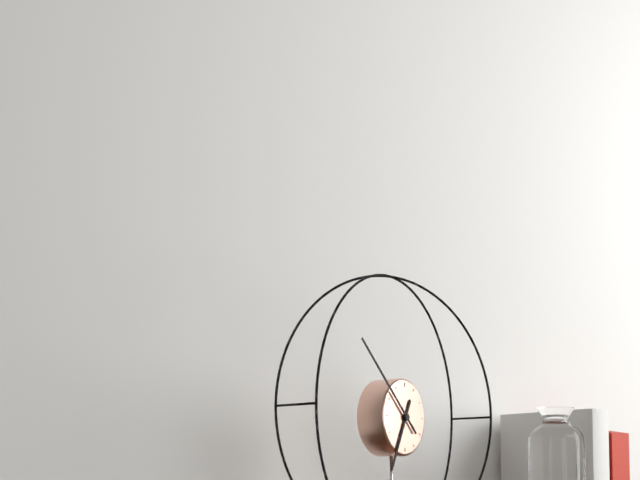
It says 6:52
